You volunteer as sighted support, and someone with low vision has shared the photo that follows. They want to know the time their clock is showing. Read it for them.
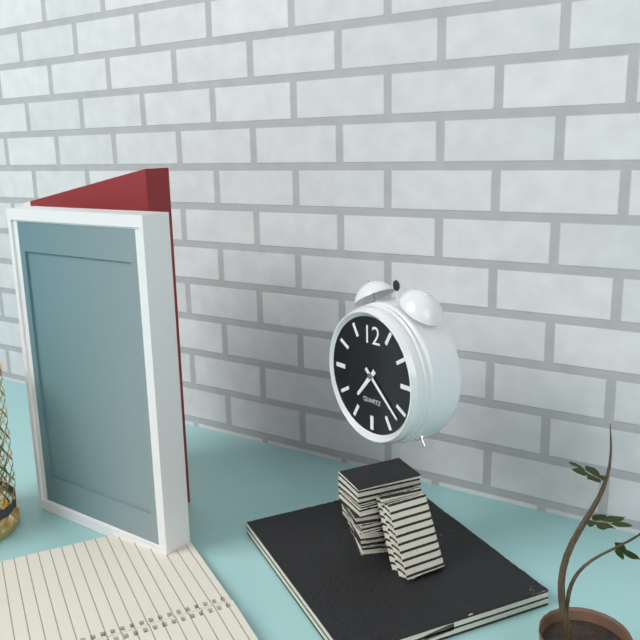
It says 7:22
